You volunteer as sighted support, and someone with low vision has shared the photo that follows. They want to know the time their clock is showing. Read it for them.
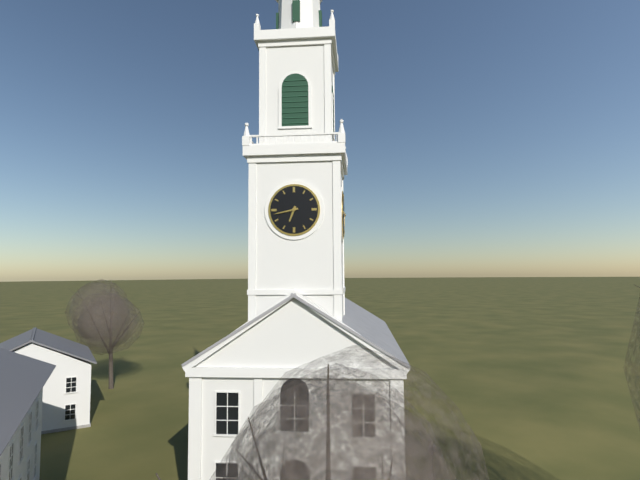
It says 6:43
